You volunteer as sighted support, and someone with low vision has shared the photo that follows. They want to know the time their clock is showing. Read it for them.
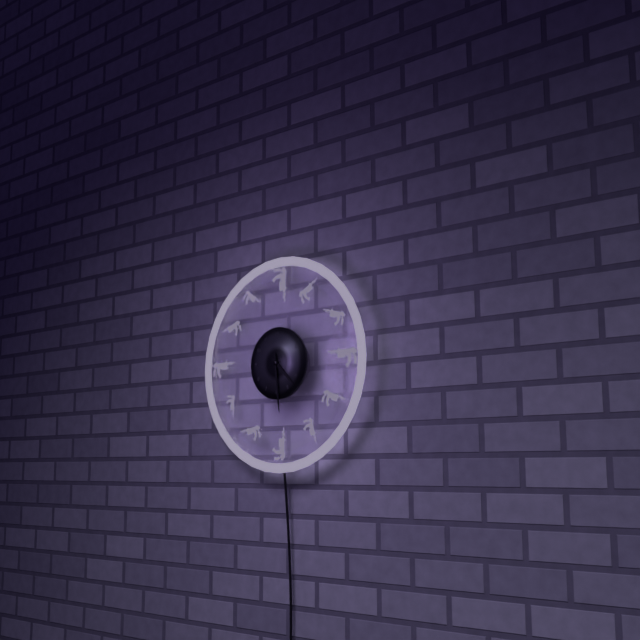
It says 4:29
